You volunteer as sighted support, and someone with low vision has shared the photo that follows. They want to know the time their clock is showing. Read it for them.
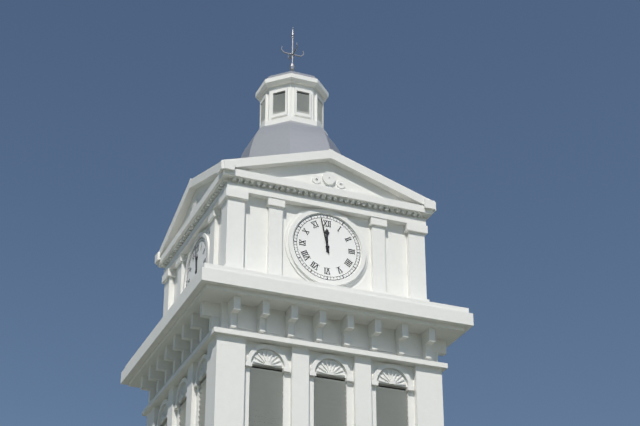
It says 11:58
